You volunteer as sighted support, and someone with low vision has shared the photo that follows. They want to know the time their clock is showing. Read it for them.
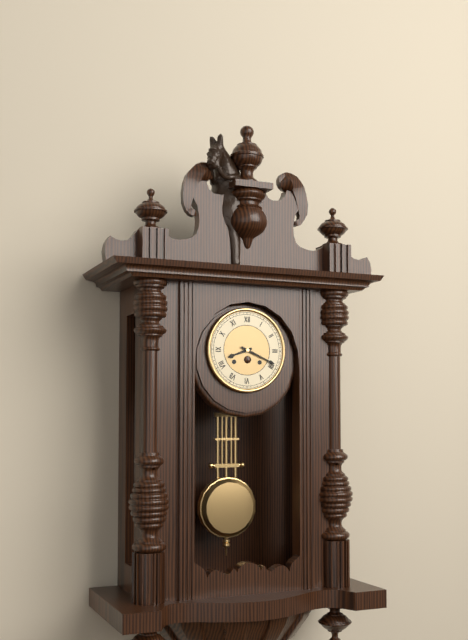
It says 8:19
